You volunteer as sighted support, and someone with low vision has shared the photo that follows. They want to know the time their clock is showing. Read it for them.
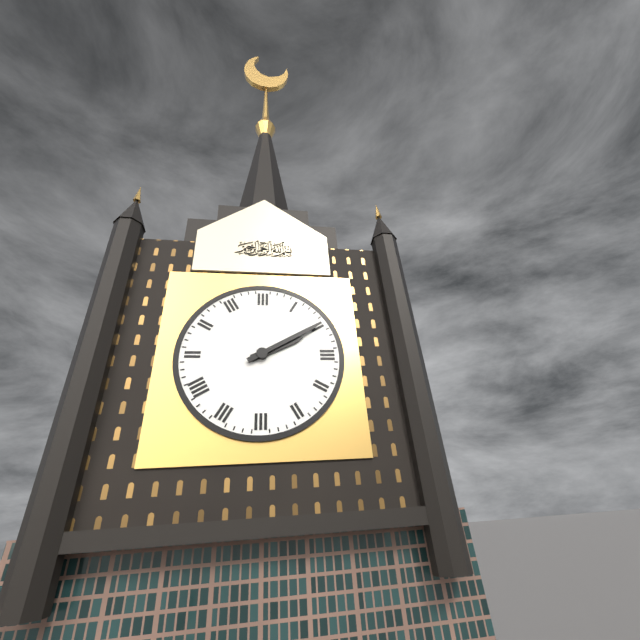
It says 2:10
